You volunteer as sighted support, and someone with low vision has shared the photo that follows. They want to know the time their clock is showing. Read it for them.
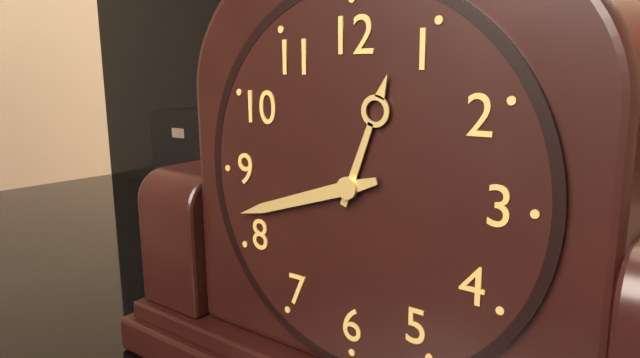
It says 12:42
